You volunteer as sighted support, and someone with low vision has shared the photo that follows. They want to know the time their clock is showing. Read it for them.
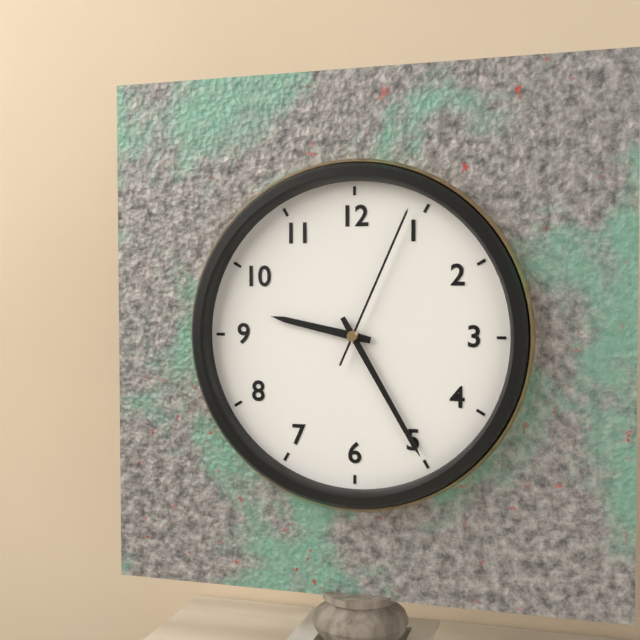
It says 9:25:04
